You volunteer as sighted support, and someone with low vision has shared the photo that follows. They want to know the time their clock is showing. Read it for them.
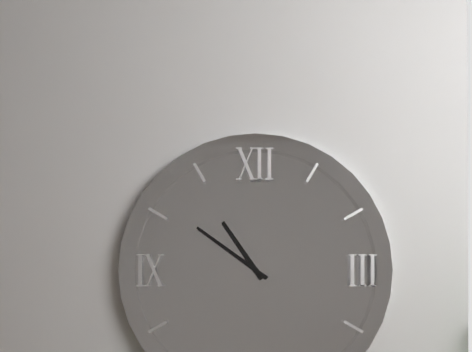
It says 10:51
